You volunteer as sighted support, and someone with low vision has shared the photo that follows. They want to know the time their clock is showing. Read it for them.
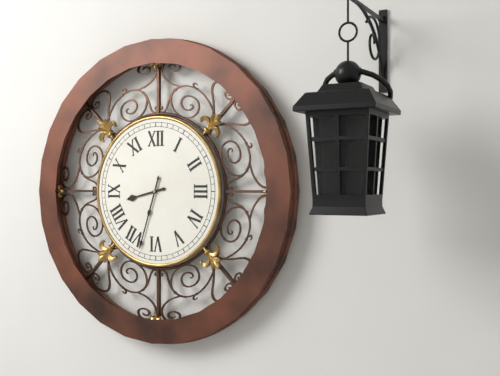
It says 8:33
